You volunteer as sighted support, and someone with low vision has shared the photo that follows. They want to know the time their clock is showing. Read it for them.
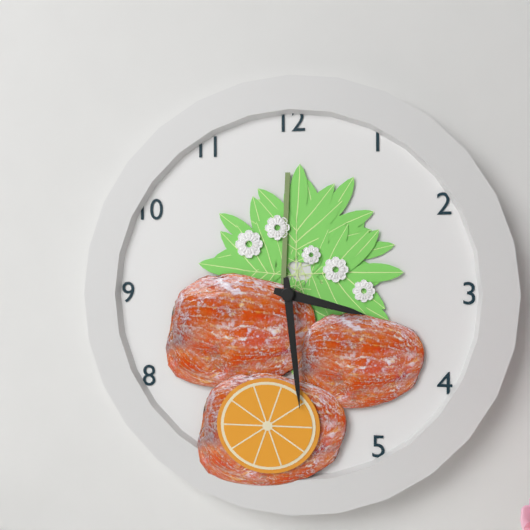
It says 3:29
